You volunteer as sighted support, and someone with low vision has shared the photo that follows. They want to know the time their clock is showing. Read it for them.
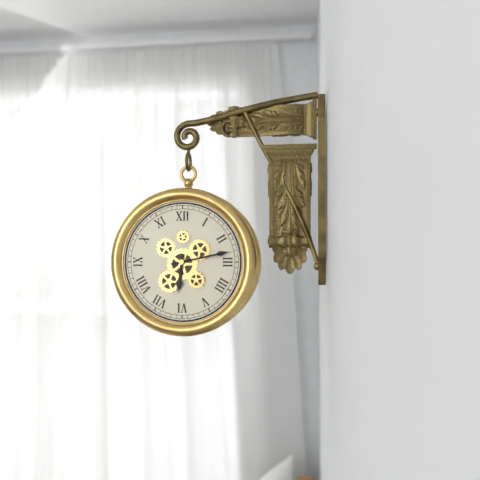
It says 6:13
